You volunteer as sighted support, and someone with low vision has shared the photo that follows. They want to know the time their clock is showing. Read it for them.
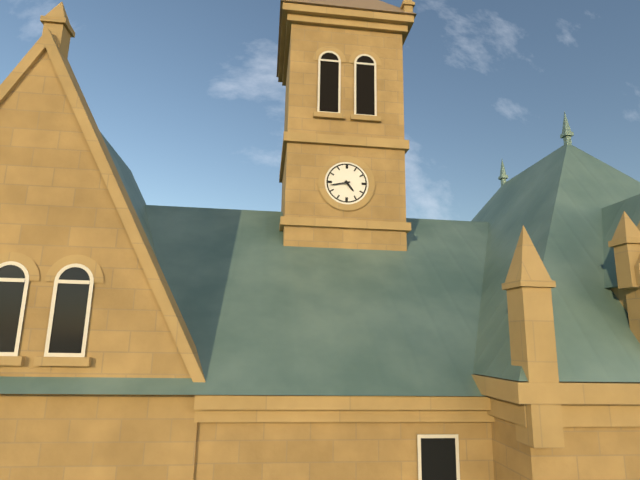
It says 4:43
